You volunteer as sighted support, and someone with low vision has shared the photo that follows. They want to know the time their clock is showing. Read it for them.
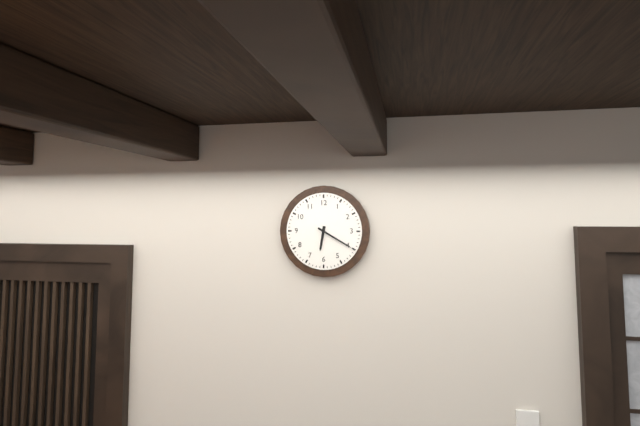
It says 6:20
